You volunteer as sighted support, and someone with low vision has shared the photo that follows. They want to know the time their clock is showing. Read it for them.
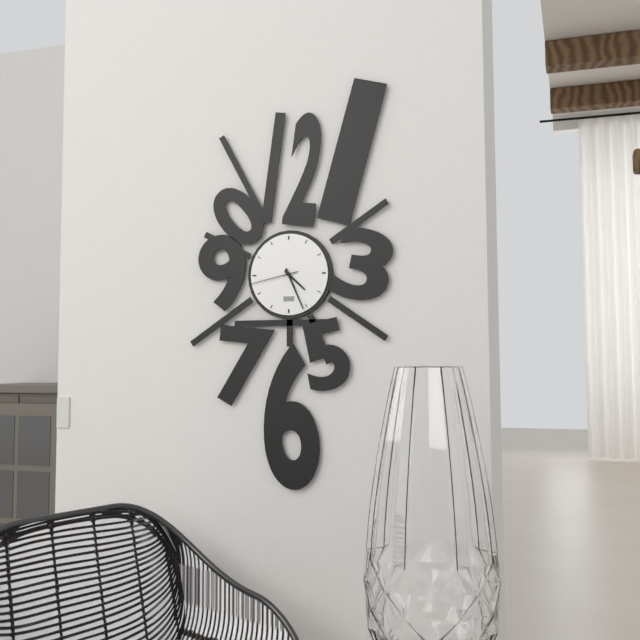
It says 4:26:43
